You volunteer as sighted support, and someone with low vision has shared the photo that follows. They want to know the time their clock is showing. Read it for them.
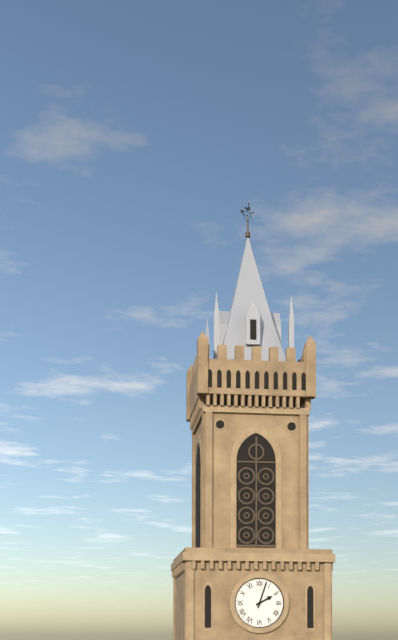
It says 2:03
